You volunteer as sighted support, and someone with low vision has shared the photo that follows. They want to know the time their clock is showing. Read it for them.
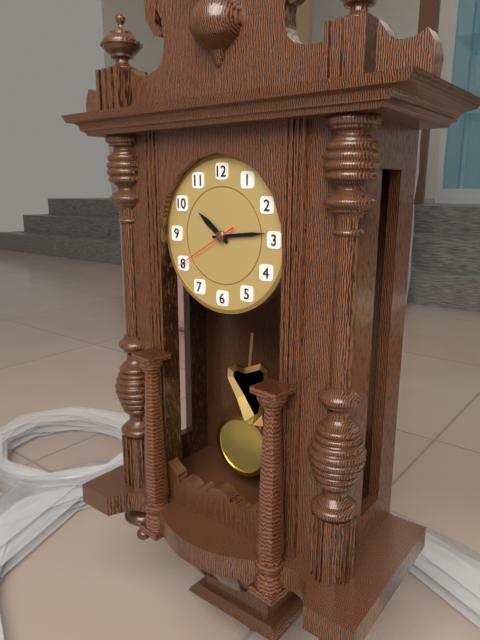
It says 10:14:40
